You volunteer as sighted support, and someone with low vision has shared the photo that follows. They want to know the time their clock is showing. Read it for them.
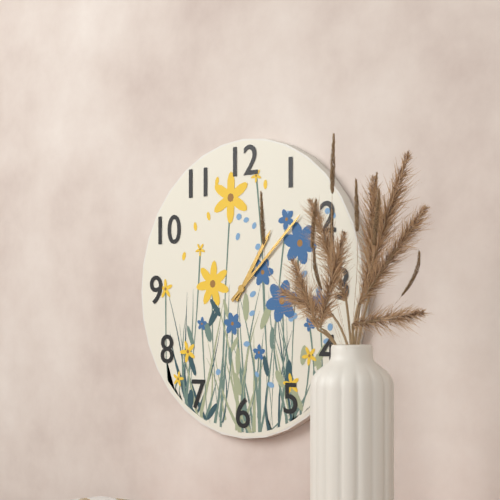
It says 1:08
